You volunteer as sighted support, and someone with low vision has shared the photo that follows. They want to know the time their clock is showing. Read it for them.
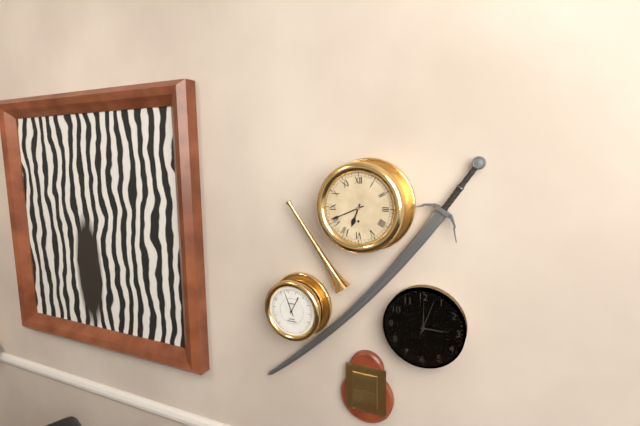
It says 6:41
